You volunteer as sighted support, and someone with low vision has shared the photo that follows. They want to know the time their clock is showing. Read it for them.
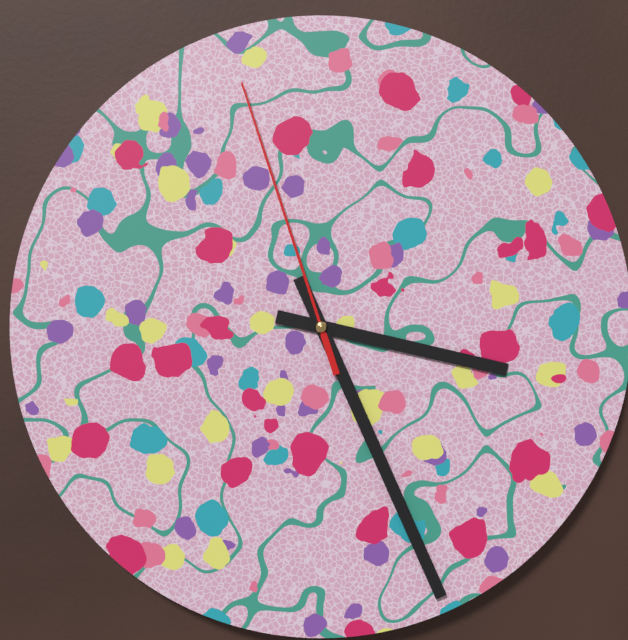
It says 3:26:57
